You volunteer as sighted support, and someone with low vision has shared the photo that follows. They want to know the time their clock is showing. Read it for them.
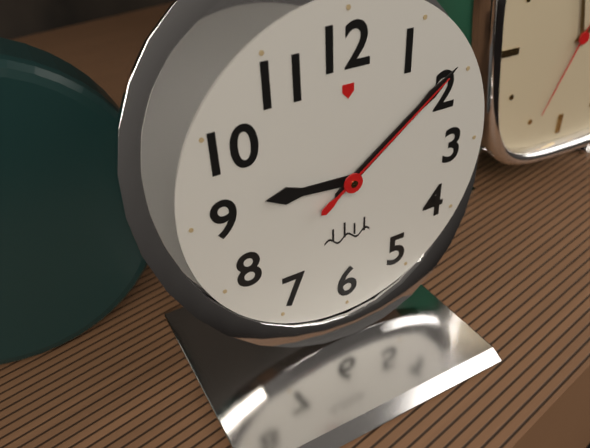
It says 9:09:09
